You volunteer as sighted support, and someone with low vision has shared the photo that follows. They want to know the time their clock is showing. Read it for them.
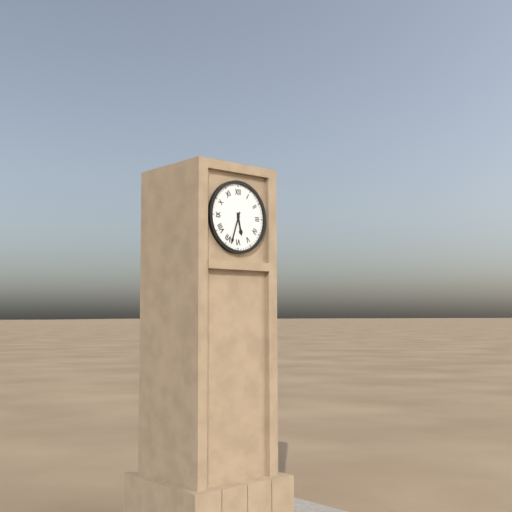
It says 5:33
